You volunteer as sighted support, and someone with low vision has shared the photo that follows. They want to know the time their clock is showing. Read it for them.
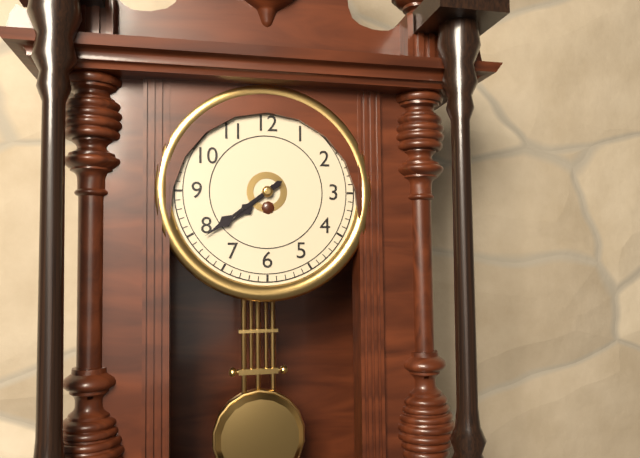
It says 7:39
